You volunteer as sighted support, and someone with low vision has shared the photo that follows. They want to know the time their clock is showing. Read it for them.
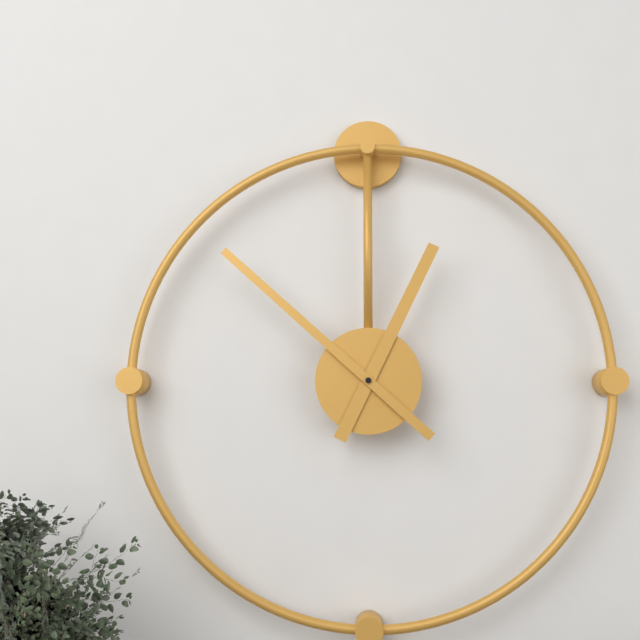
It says 12:52
